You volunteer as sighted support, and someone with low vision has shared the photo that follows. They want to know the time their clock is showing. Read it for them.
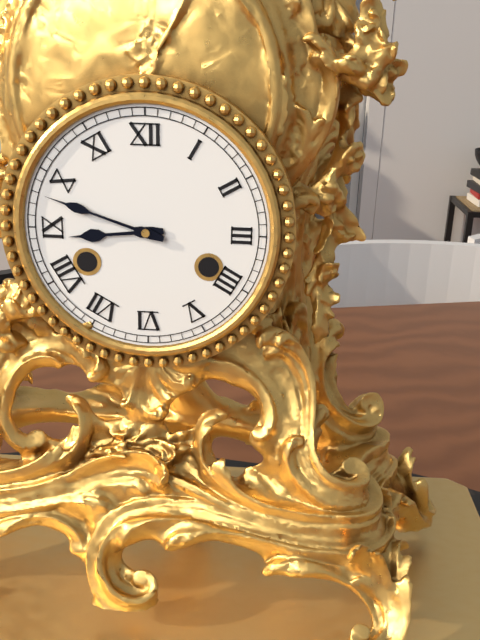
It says 8:48
